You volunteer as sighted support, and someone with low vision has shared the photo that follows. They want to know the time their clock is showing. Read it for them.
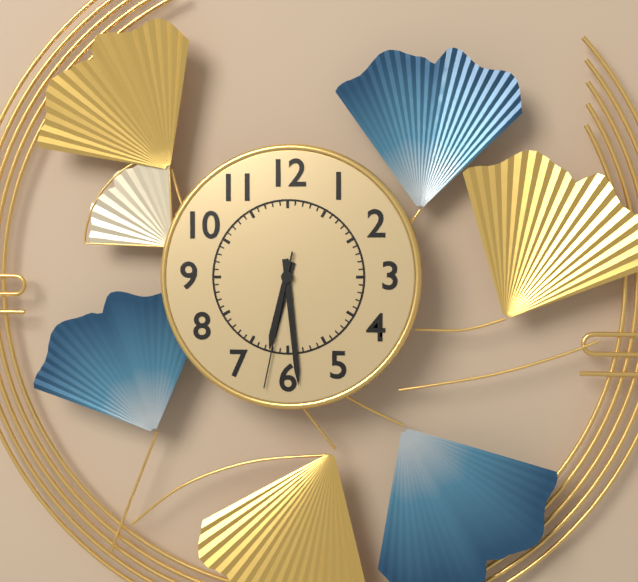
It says 6:29:32
